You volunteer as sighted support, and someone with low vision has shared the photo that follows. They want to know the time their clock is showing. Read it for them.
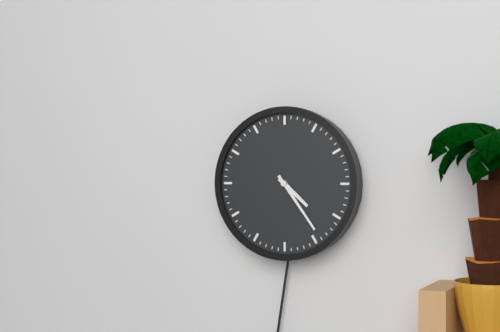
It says 4:24
